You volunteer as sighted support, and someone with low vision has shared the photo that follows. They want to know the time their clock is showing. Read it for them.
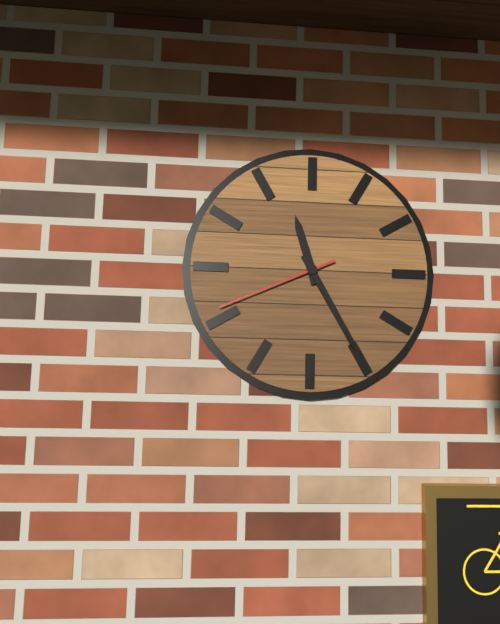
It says 11:25:41
